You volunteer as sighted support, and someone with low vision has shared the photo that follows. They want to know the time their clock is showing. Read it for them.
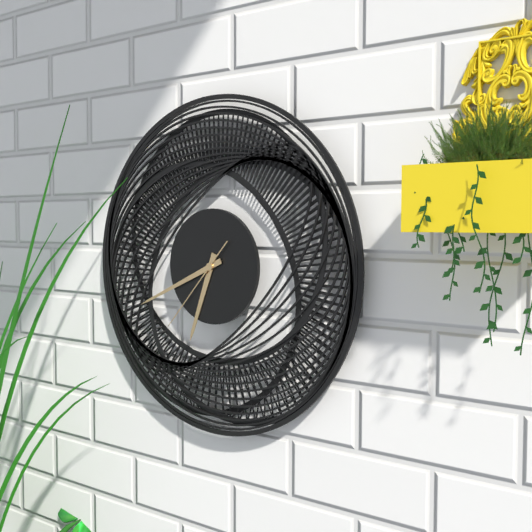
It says 6:41:37
